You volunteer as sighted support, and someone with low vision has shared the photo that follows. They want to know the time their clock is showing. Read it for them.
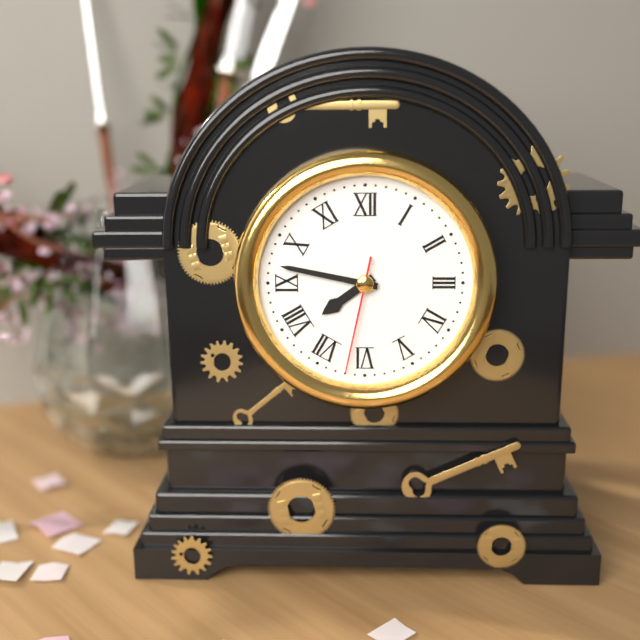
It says 7:47:32
